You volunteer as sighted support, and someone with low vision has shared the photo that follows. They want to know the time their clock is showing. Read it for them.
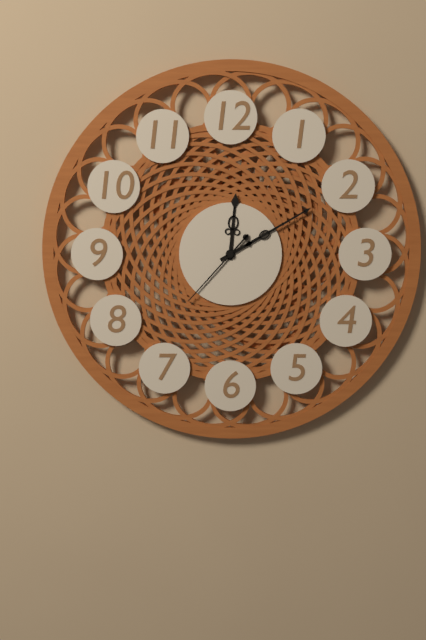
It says 12:10:37
